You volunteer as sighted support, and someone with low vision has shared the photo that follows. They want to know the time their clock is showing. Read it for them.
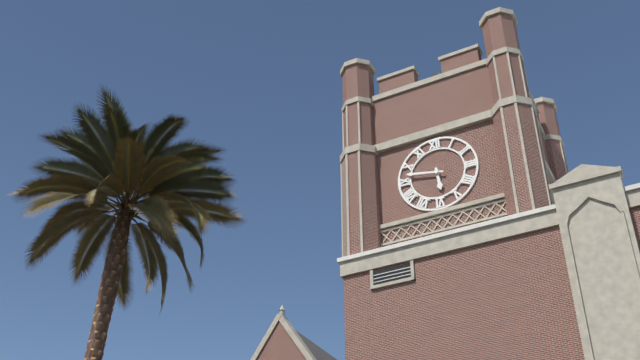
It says 5:47
